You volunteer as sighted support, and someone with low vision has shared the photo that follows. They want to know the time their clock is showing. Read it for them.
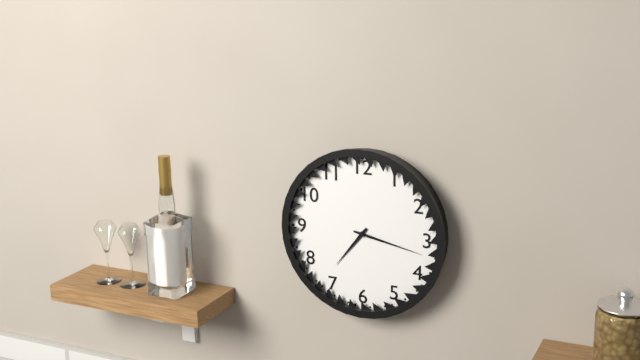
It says 7:17
